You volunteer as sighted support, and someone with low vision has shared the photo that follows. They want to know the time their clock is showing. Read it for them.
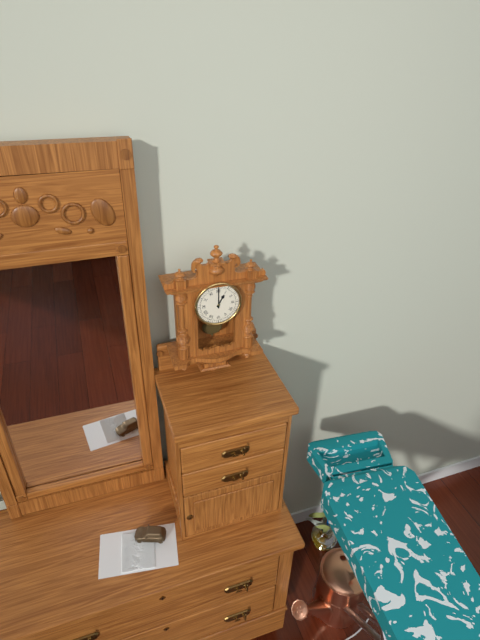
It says 1:00
